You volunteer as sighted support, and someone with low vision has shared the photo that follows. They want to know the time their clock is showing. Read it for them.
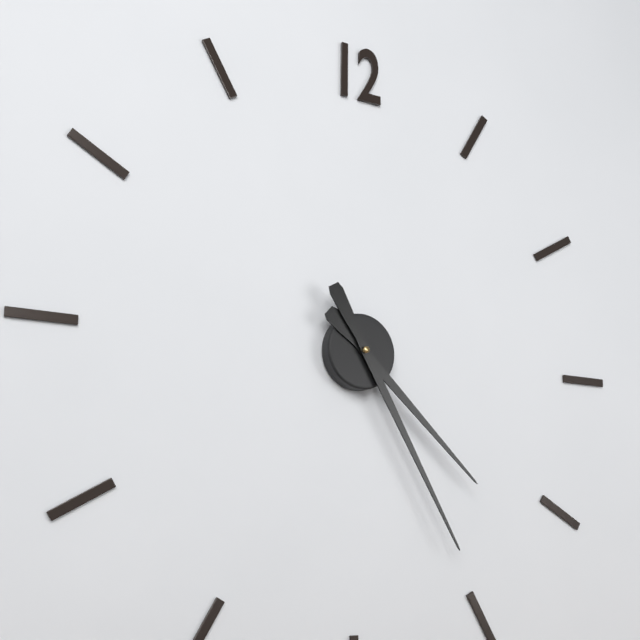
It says 4:25
